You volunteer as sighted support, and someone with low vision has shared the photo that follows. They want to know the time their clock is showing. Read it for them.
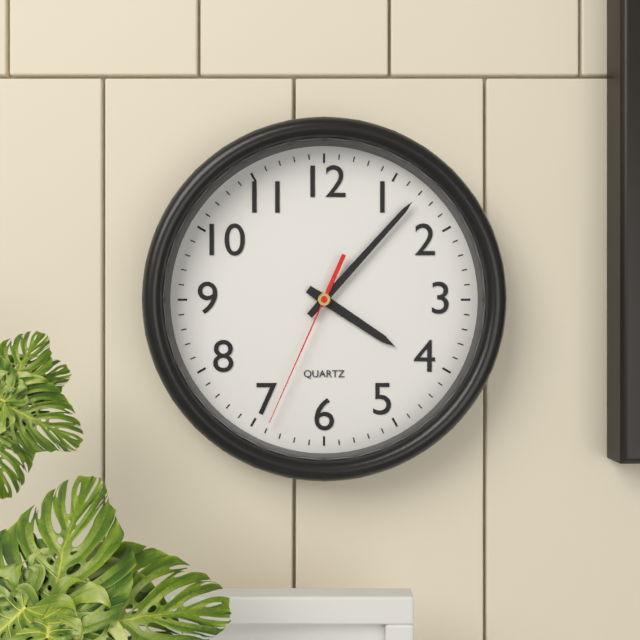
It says 4:07:34
